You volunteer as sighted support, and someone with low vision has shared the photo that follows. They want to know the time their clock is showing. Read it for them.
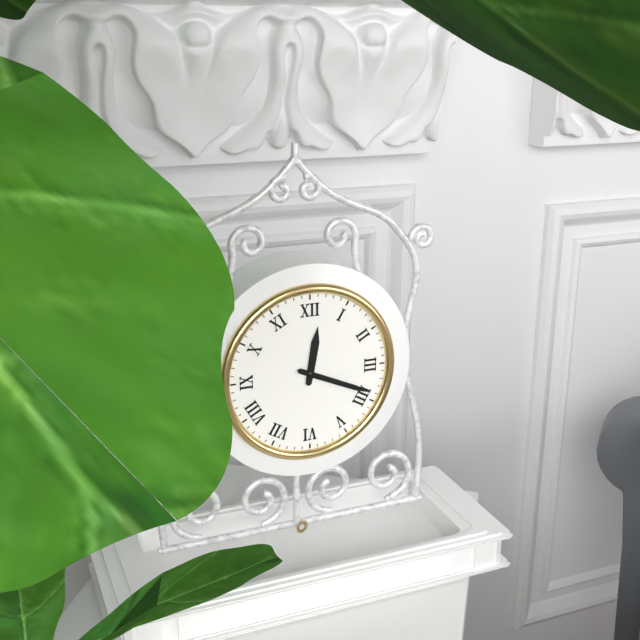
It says 12:19
